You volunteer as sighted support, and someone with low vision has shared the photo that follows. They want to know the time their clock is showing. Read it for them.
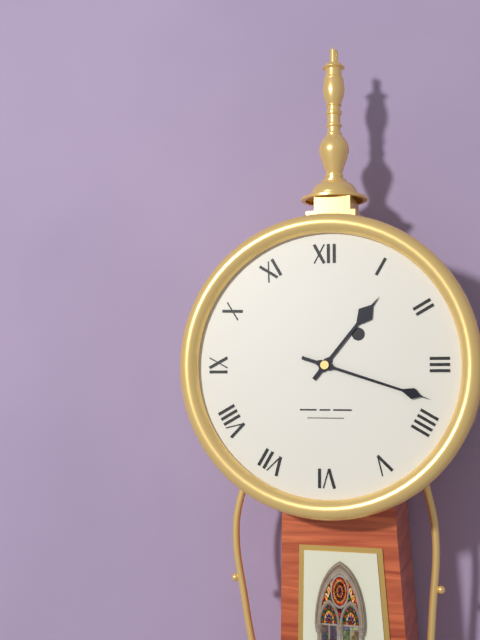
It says 1:18
